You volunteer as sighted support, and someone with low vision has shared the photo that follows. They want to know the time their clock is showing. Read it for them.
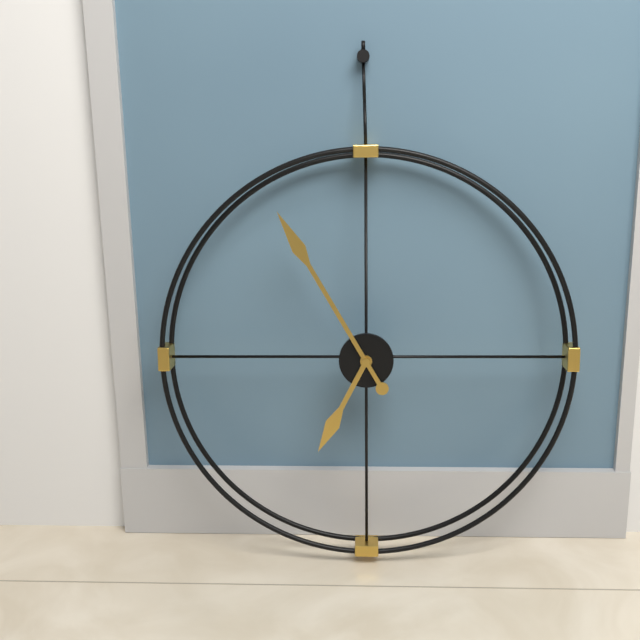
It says 6:55
